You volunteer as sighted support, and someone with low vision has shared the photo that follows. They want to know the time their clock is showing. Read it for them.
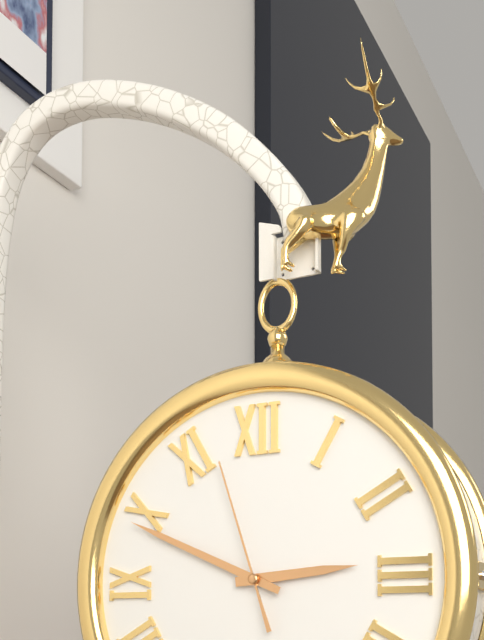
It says 2:49:57
